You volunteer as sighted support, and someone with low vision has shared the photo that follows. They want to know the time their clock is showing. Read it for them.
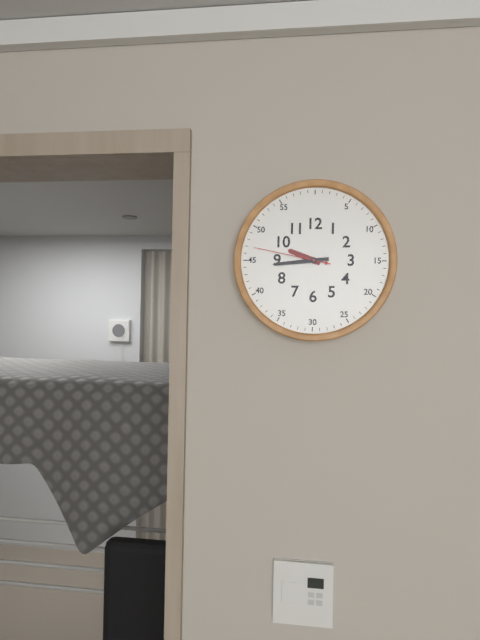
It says 9:44:47
